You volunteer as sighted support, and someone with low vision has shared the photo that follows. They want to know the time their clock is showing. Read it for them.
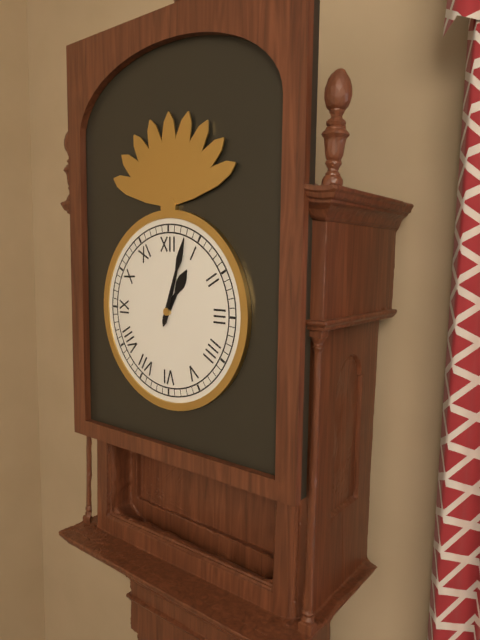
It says 1:03
